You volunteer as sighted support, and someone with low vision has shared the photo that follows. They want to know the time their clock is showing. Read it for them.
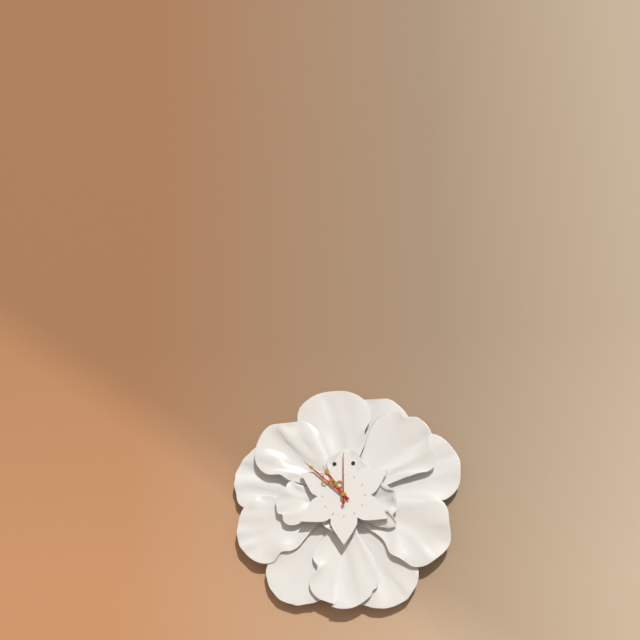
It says 10:52:00
